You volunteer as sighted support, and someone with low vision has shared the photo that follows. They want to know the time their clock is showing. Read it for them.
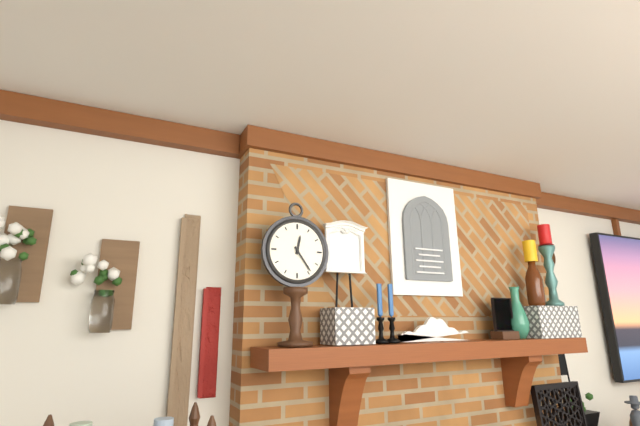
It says 12:24
